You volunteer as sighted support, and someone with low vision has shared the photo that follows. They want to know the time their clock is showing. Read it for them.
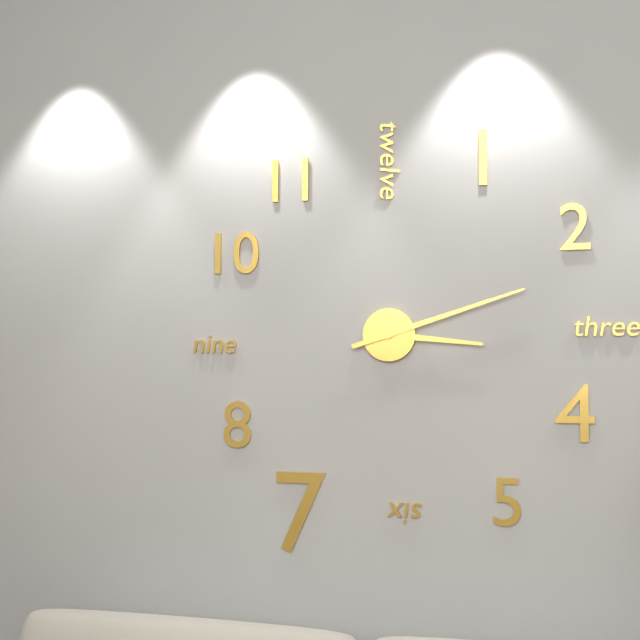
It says 3:12
